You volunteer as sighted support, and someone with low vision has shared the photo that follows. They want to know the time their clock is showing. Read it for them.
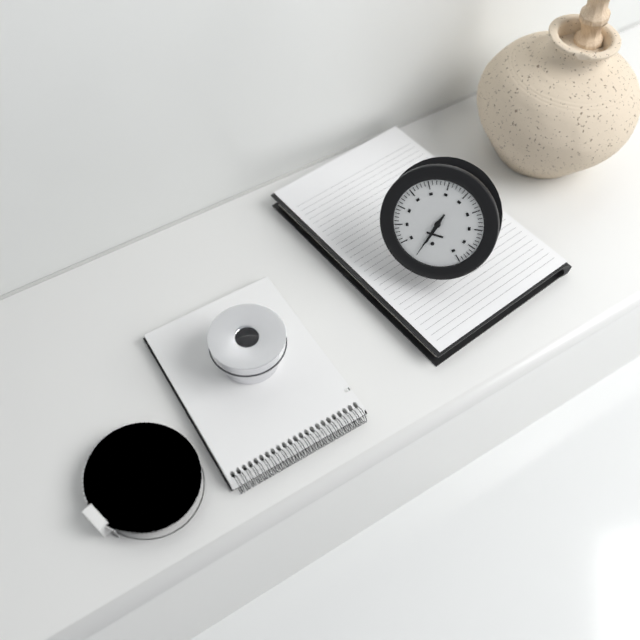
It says 6:33
